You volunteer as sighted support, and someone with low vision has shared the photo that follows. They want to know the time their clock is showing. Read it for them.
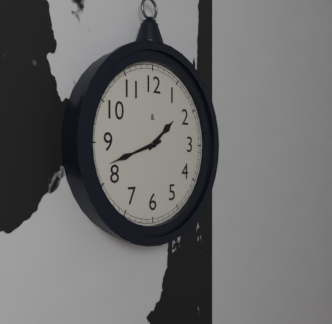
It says 1:42
